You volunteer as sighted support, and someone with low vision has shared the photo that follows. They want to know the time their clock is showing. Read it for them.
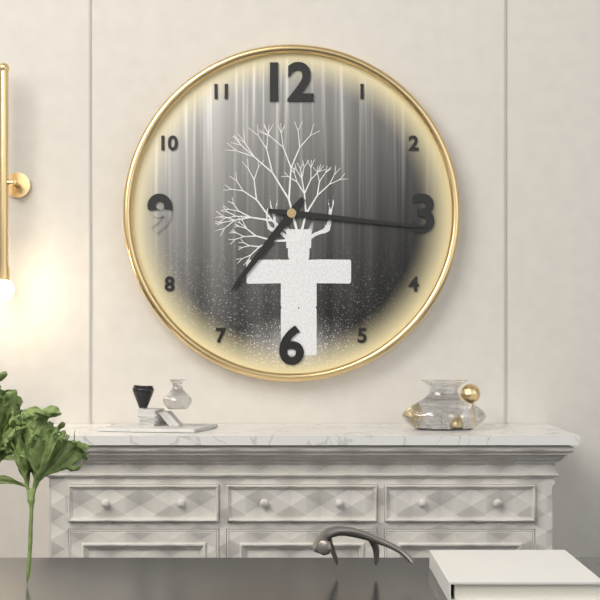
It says 7:16
